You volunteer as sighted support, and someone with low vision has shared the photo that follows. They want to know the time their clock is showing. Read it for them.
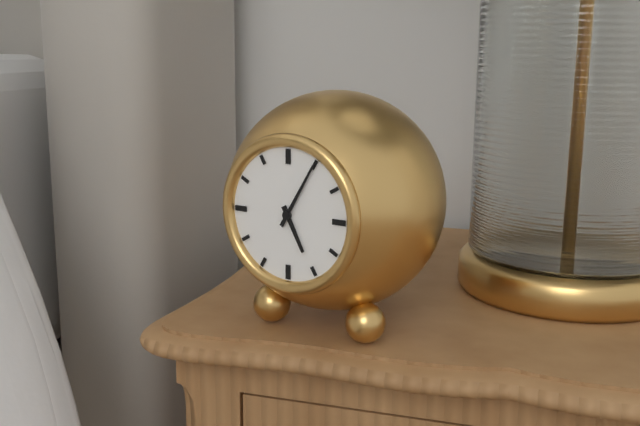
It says 5:05
